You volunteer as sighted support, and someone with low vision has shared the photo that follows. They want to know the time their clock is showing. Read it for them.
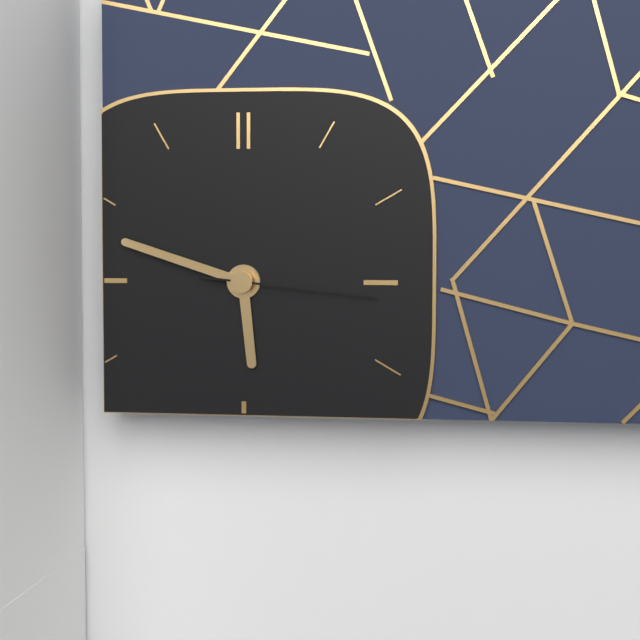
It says 5:48:16
